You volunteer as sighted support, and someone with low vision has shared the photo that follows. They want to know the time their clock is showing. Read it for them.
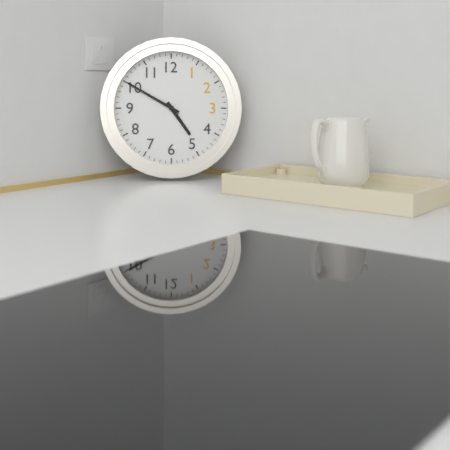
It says 4:50
